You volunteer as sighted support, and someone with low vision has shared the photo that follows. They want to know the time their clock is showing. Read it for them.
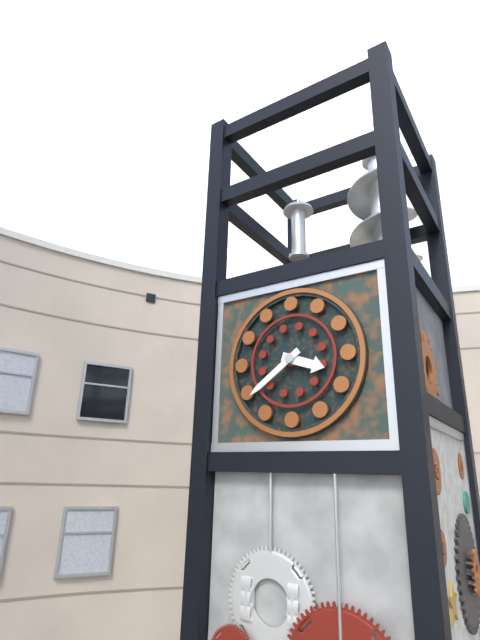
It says 3:39
